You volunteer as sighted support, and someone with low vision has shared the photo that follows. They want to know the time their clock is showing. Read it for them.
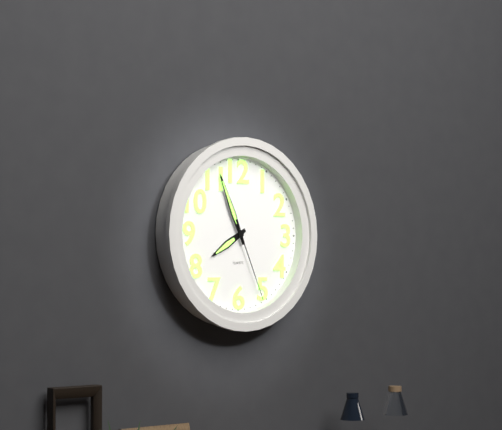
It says 7:56:26
